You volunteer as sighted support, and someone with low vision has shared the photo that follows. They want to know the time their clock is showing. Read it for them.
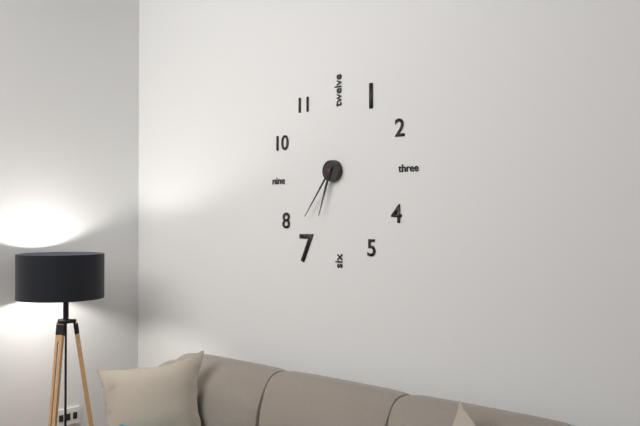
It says 6:36
